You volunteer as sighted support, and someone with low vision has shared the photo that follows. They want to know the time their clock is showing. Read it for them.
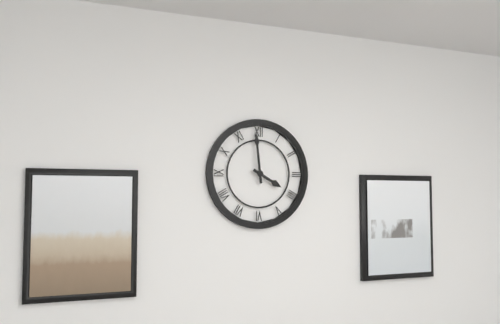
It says 3:59
